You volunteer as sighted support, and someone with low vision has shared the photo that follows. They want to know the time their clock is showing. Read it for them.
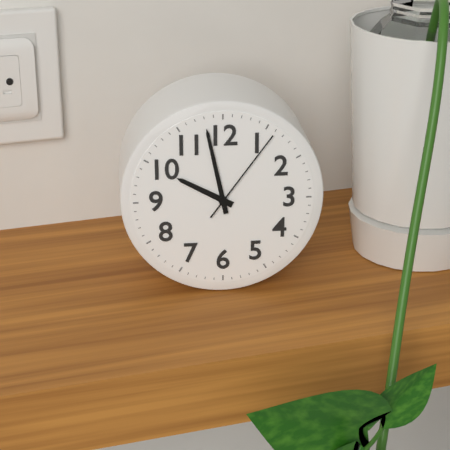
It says 9:58:06
